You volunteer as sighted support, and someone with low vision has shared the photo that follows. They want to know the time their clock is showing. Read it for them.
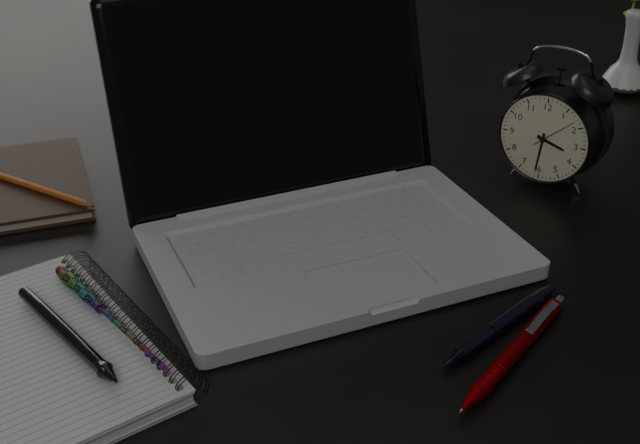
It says 3:31
